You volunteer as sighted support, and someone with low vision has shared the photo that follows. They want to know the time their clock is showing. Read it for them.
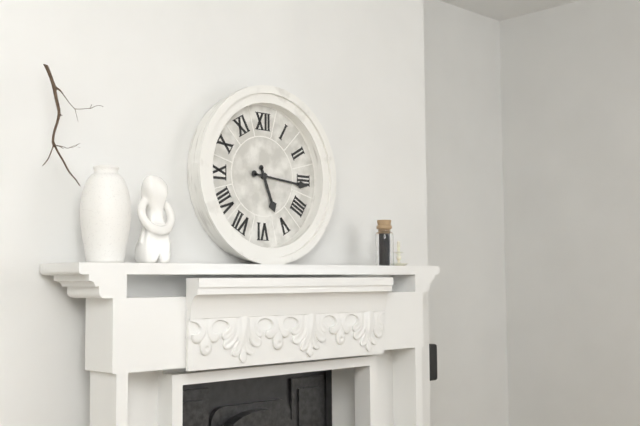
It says 5:16
